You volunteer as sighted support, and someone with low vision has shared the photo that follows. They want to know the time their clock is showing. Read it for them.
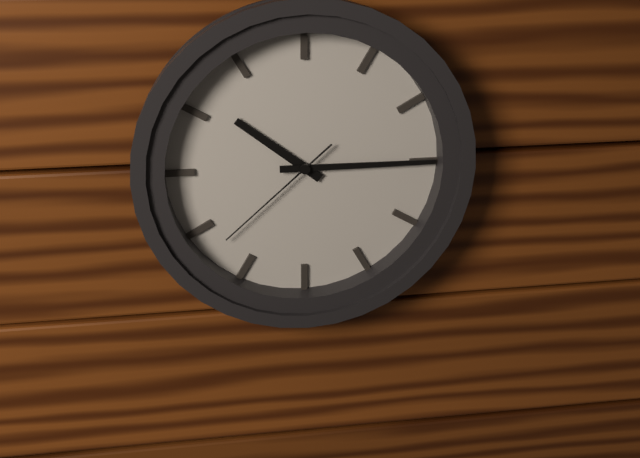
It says 10:15:38
